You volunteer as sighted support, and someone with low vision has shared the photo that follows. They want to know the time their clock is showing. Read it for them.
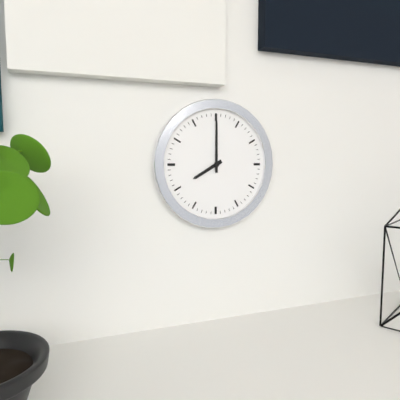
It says 8:00
